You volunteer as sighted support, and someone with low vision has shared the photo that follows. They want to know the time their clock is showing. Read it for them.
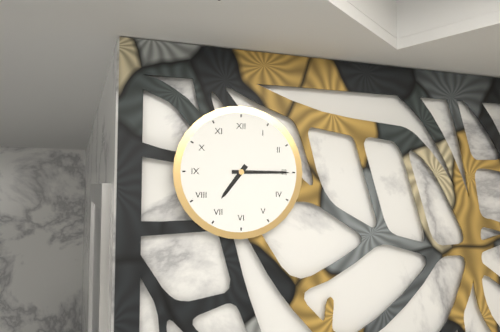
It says 7:15
